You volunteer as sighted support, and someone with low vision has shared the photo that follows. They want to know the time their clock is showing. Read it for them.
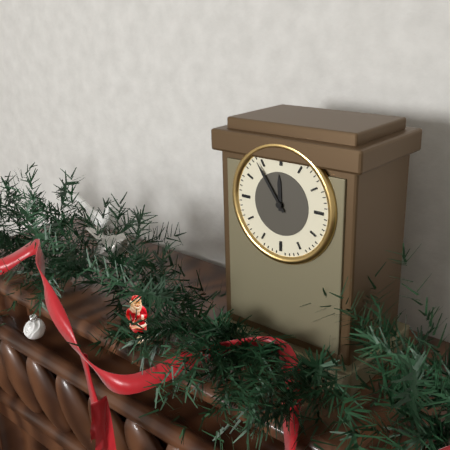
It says 11:54
